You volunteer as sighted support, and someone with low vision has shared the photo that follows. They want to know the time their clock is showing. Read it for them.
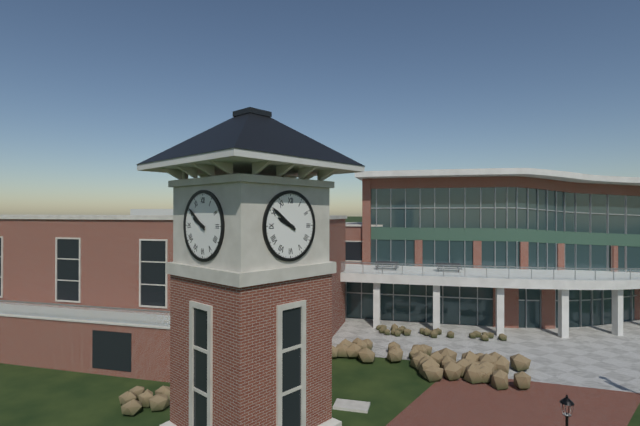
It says 9:51
